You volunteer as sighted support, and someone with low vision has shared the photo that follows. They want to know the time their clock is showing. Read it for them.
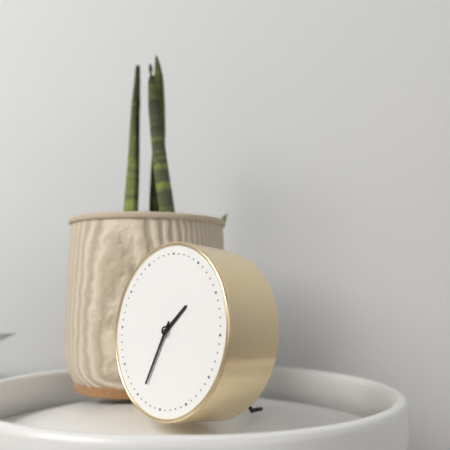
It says 1:34
